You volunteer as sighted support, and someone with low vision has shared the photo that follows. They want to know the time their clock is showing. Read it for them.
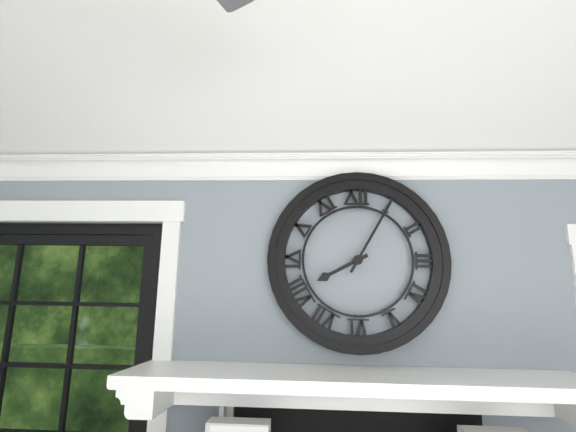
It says 8:05
